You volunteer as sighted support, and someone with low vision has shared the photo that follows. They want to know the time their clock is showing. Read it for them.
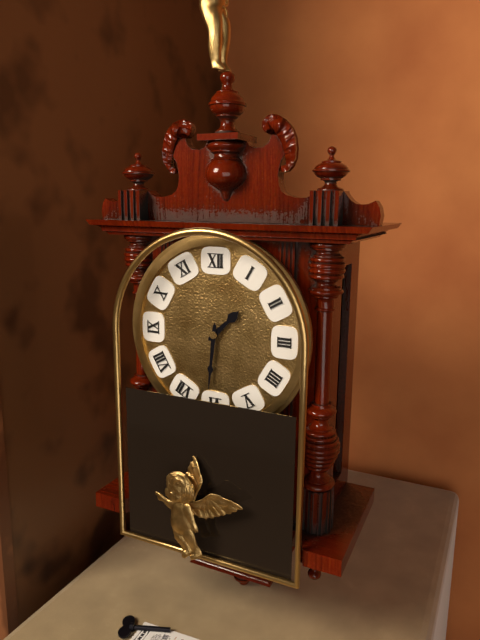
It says 1:31
